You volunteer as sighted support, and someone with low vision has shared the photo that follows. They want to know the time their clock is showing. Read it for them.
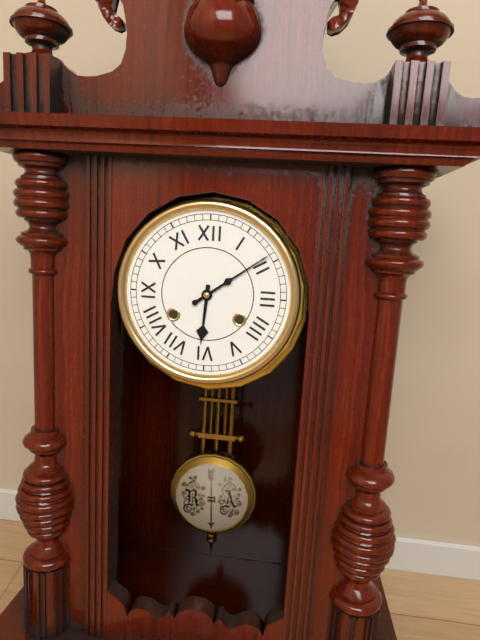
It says 6:09
